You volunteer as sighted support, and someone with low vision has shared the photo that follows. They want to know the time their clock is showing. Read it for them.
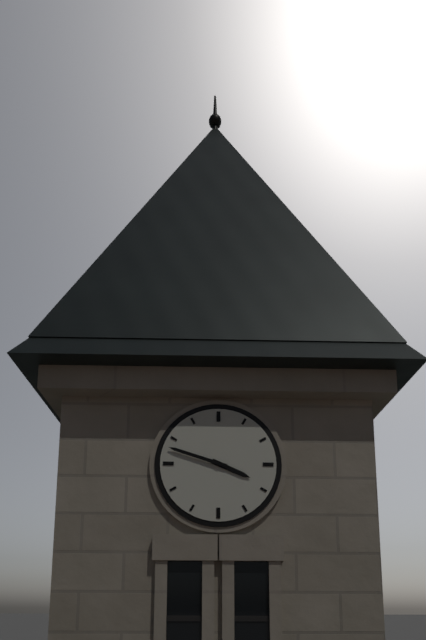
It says 3:48
